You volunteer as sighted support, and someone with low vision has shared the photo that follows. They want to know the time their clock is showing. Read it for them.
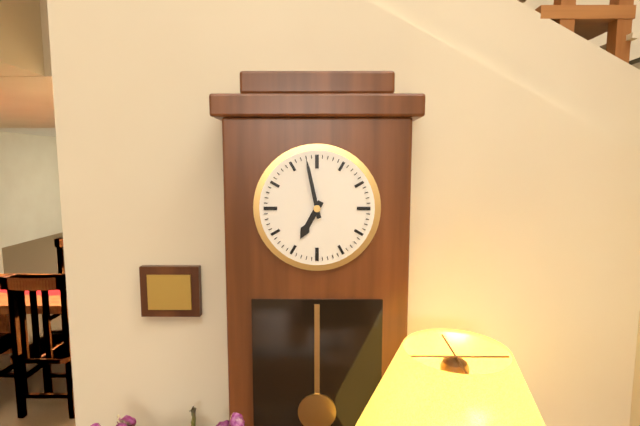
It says 6:58
